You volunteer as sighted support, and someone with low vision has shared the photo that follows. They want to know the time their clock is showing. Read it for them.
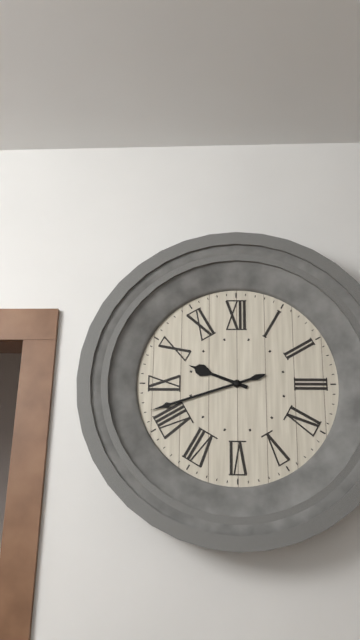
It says 9:42
